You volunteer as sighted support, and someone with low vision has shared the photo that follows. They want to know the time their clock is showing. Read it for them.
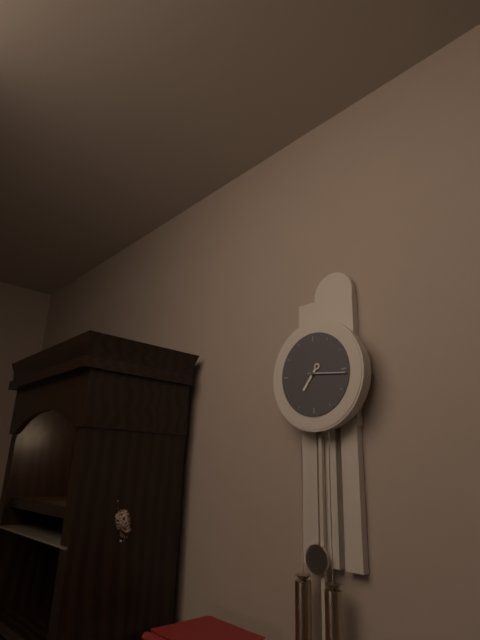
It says 7:16
